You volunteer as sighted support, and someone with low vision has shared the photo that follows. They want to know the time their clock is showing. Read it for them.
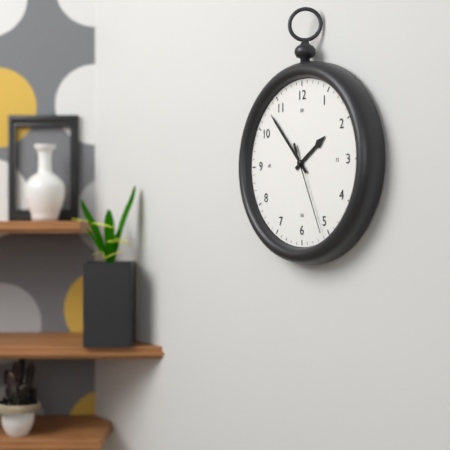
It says 1:53:26
